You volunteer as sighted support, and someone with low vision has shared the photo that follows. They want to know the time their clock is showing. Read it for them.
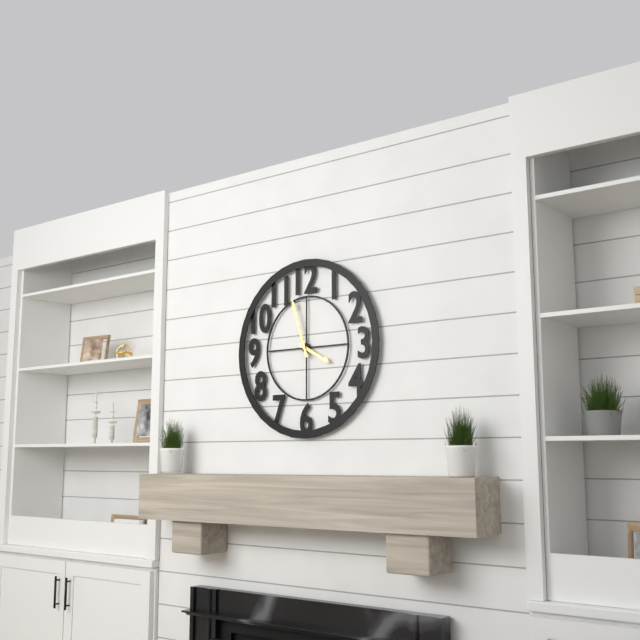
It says 3:57
